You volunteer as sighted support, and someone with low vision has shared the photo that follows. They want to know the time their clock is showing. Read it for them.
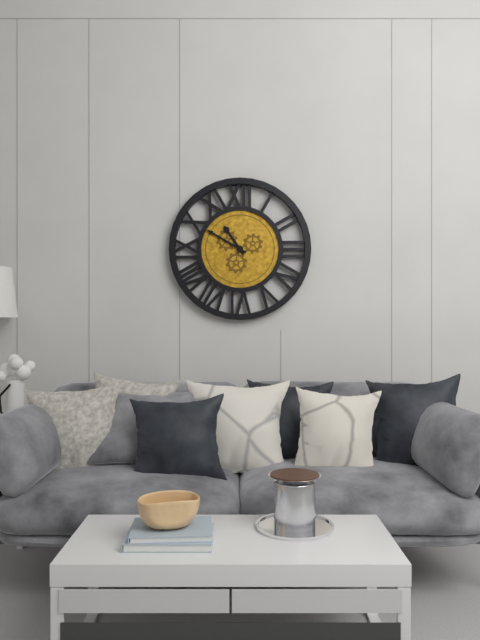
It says 10:50
